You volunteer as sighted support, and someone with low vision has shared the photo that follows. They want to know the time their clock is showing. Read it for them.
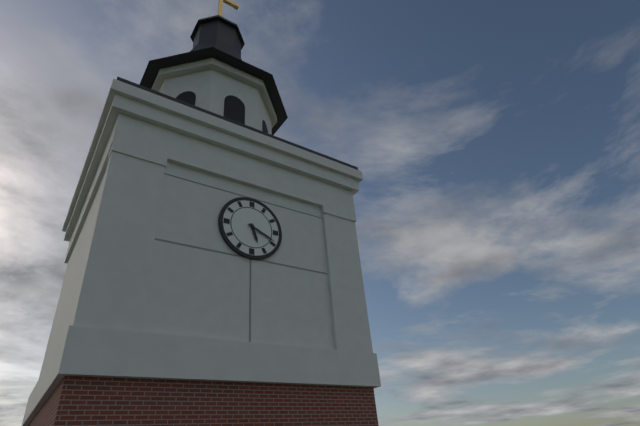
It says 5:19
